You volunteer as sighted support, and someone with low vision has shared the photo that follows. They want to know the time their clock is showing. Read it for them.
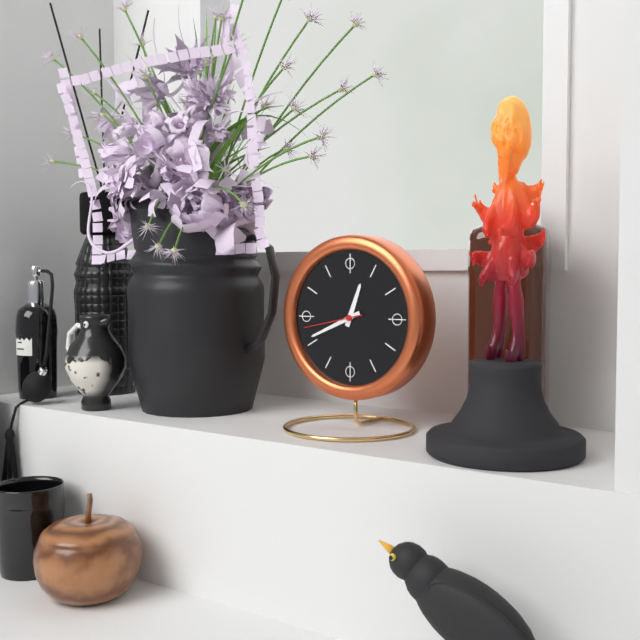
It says 12:41:43
